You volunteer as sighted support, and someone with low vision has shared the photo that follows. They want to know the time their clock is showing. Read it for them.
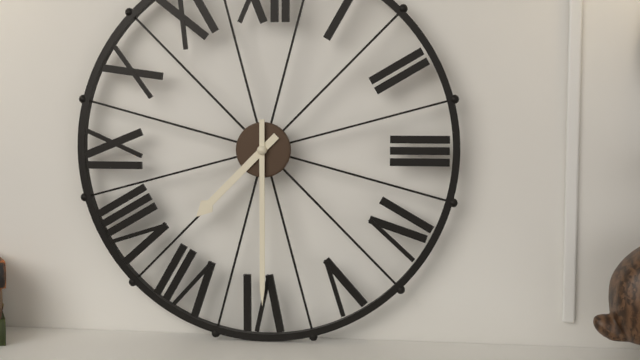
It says 7:30
